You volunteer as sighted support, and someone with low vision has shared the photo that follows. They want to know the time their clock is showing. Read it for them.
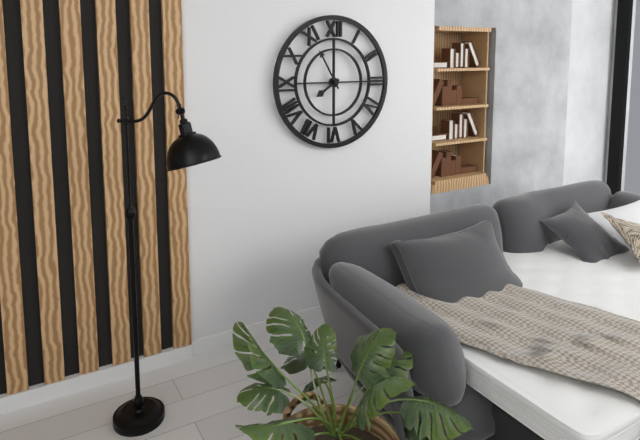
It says 7:55
